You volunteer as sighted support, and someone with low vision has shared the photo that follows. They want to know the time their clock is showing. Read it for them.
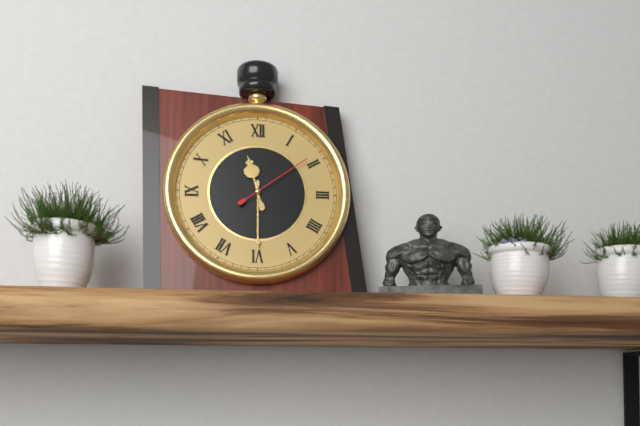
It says 11:30:09
